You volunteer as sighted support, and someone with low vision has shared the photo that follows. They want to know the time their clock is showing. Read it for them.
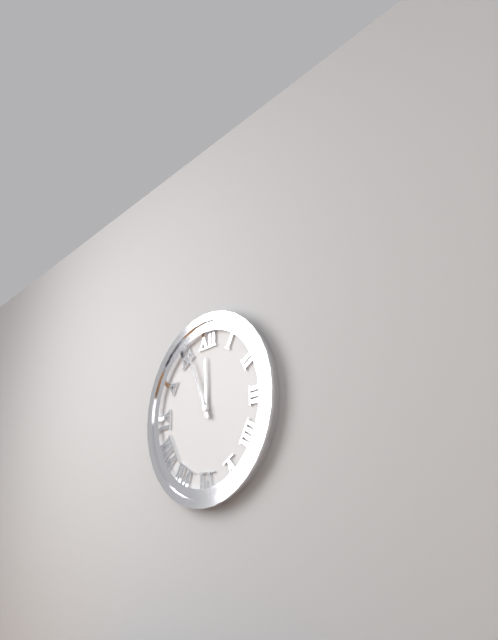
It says 11:56
